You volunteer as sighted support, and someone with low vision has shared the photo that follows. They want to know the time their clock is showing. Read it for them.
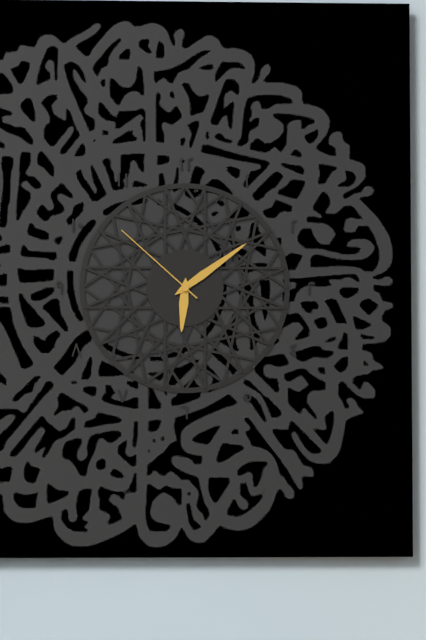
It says 6:09:52
